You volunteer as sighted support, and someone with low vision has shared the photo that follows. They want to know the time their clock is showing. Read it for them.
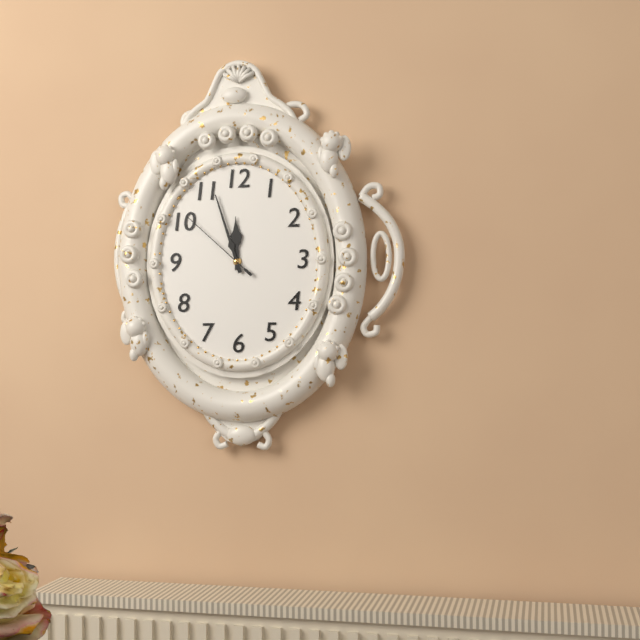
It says 11:57:52
